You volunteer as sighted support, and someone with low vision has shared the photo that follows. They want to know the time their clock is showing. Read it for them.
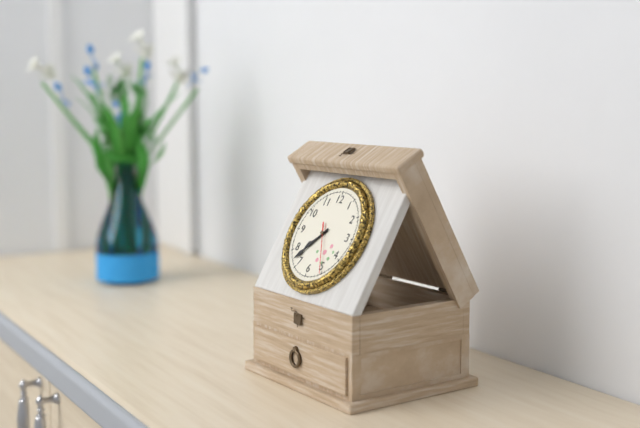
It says 7:37:25
